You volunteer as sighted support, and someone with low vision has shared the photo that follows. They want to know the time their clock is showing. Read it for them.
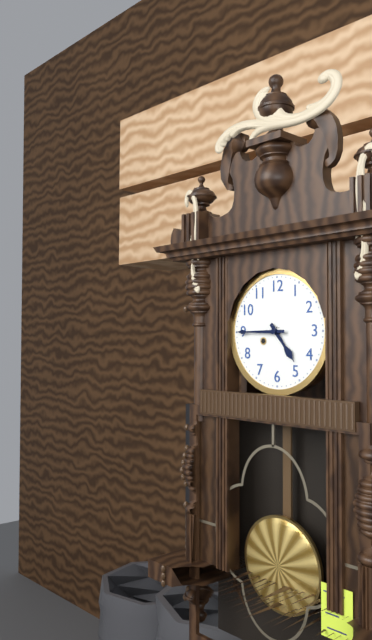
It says 4:45
